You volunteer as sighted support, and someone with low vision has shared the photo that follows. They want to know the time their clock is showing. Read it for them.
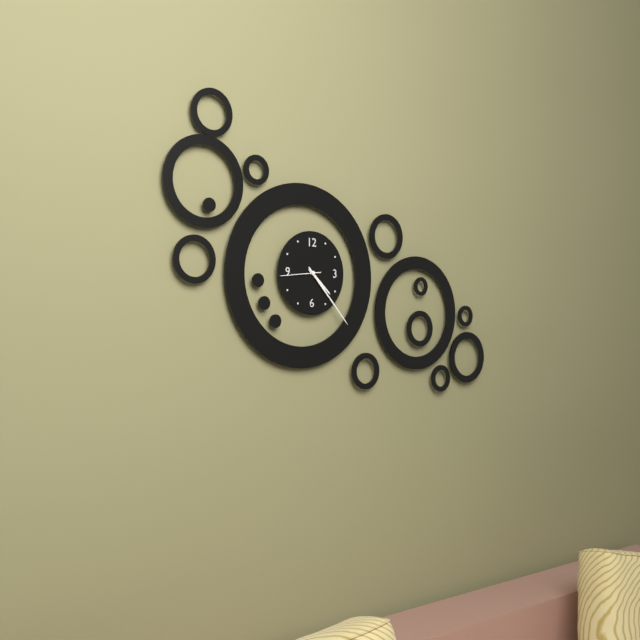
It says 4:23
